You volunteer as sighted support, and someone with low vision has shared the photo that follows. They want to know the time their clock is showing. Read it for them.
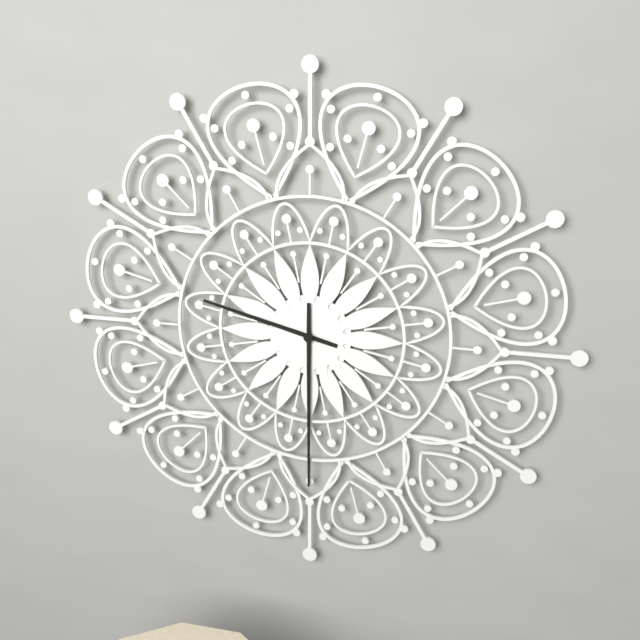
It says 9:30
